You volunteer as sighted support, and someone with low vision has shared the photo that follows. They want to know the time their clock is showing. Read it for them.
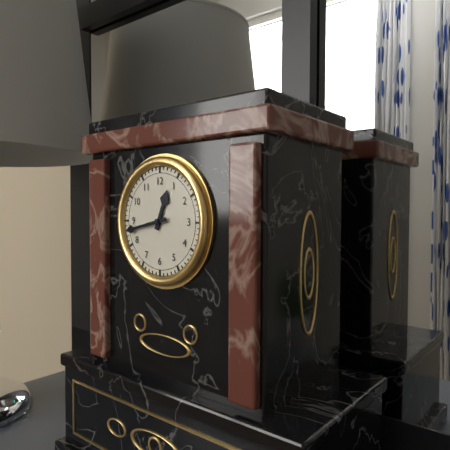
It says 12:43
